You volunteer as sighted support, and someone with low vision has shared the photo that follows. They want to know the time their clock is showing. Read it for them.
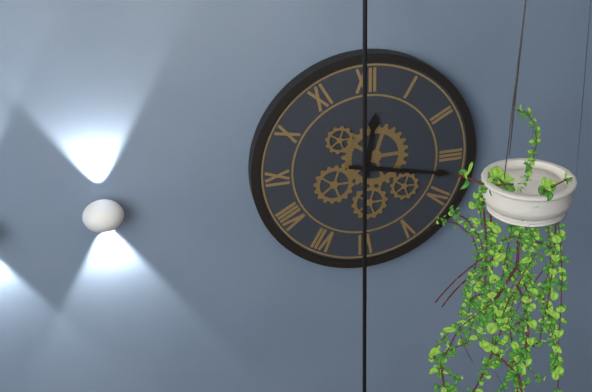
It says 12:17
